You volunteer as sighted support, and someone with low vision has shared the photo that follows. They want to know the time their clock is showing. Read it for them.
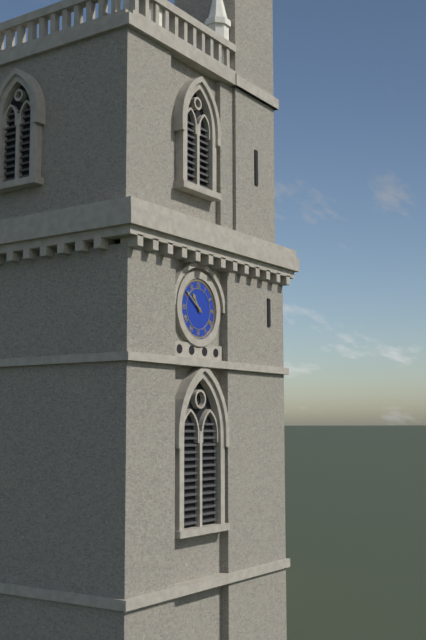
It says 10:51
